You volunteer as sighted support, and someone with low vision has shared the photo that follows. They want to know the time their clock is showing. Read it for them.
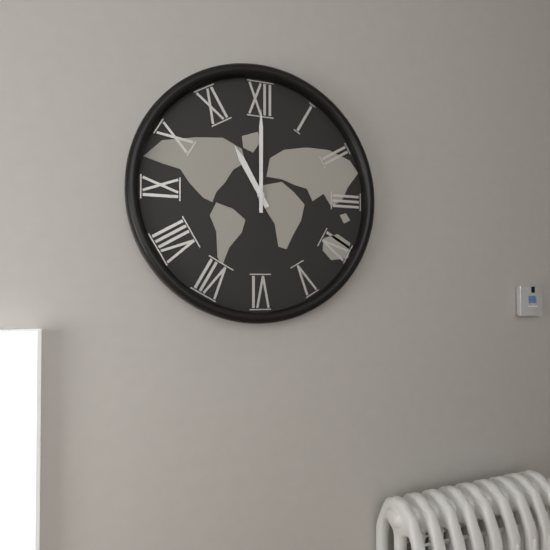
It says 11:00
